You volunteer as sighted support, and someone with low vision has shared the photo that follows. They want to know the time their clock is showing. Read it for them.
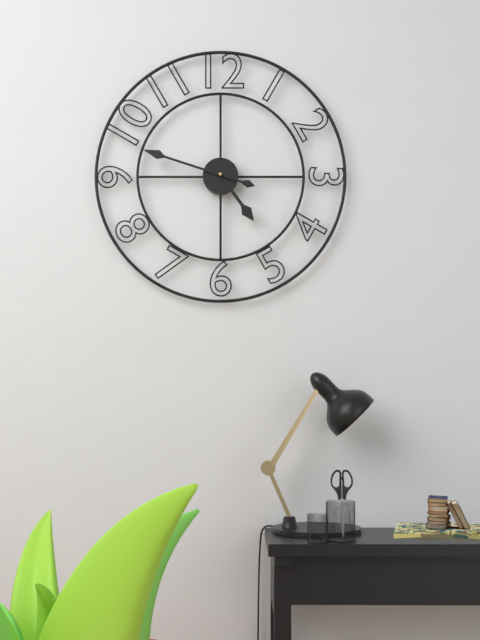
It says 4:48
